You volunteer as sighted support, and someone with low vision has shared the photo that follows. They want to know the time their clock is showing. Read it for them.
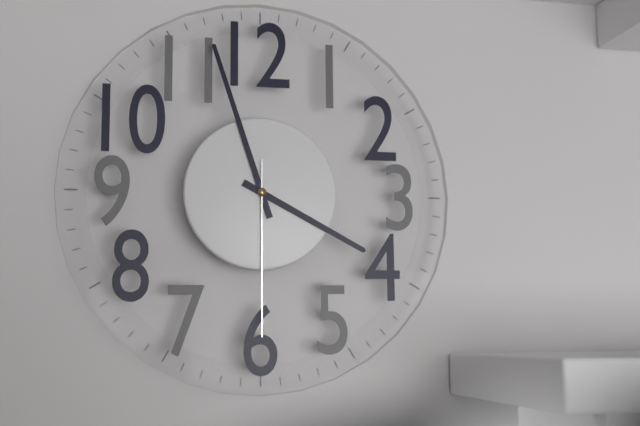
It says 3:57:30
